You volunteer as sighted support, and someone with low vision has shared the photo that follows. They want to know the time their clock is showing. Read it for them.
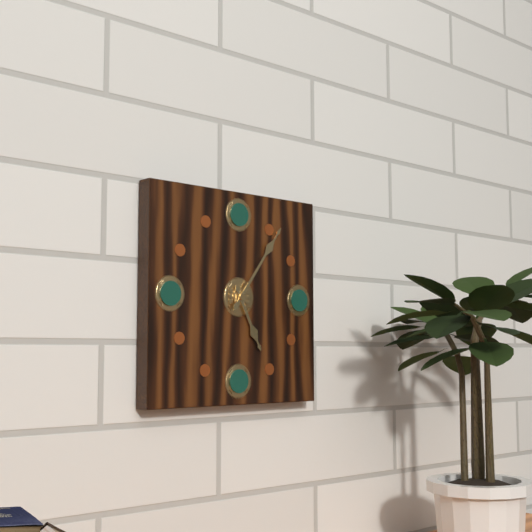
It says 5:06
